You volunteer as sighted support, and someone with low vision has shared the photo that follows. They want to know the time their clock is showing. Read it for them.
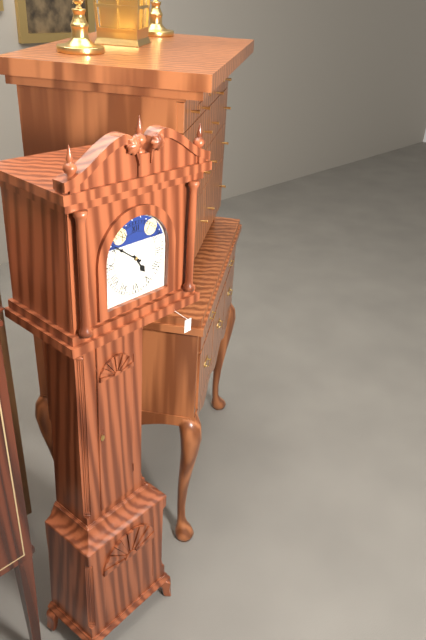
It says 4:51
